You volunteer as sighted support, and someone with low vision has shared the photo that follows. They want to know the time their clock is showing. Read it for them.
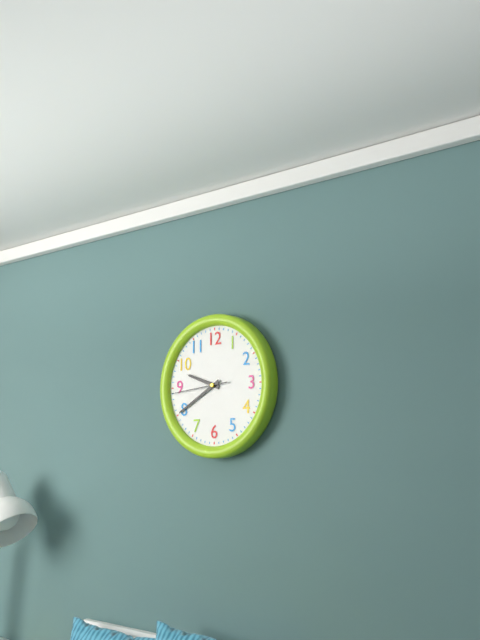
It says 9:40:44
